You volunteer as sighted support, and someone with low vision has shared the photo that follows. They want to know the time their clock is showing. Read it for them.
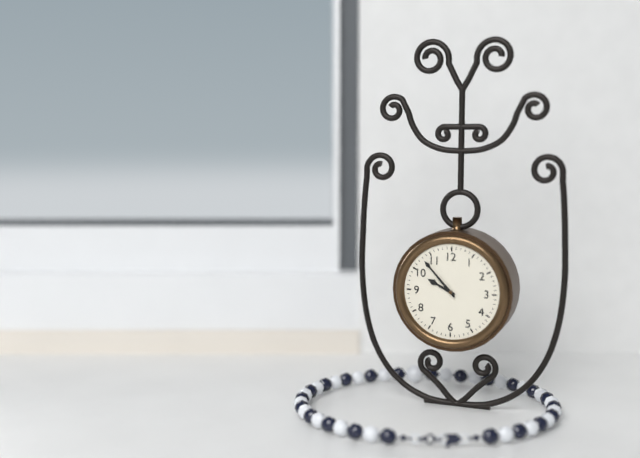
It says 9:53
